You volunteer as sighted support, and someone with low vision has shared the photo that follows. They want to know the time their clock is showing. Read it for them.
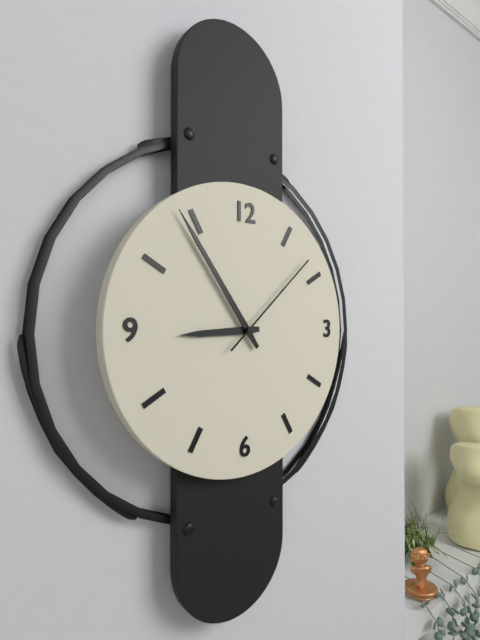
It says 8:54:08
